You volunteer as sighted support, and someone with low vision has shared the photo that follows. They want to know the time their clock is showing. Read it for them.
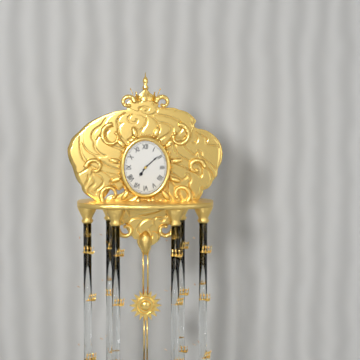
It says 7:08
